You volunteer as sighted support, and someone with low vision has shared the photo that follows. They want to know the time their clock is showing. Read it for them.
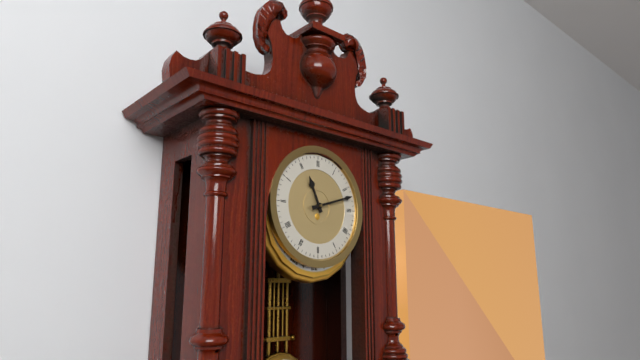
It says 11:12
